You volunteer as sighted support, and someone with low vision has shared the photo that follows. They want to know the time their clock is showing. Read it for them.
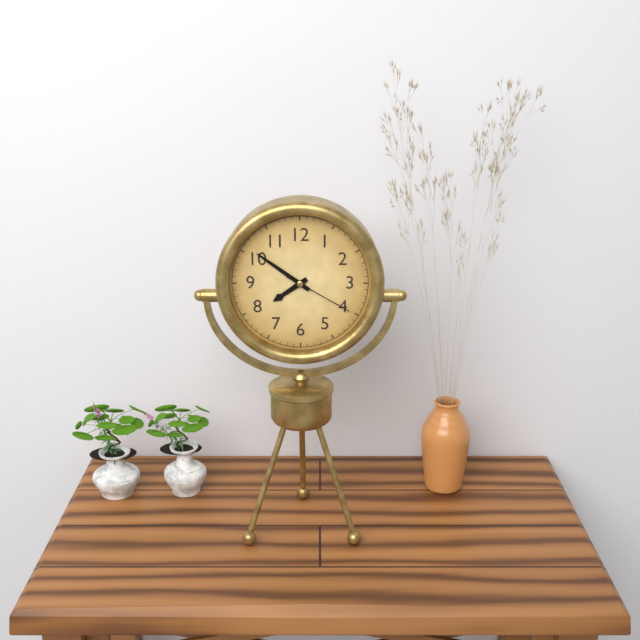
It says 7:51:20
